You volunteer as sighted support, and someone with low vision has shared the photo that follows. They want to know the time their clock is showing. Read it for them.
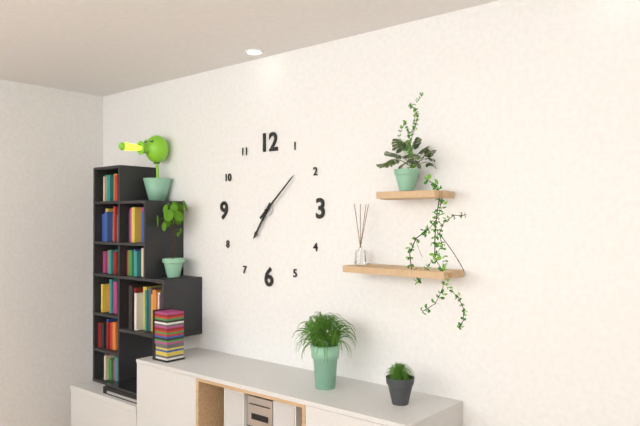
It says 7:08
